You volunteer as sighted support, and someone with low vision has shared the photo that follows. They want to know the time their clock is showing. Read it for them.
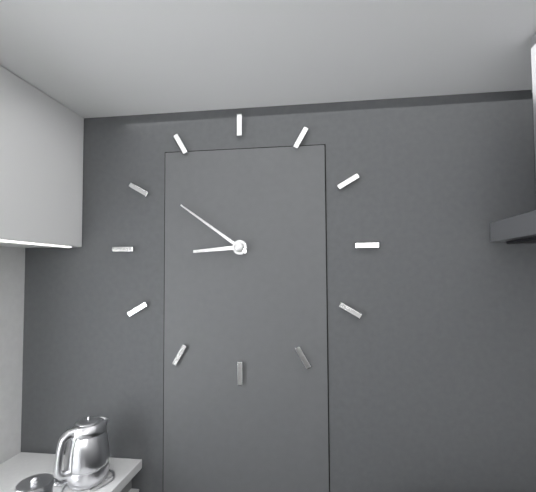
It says 8:51
